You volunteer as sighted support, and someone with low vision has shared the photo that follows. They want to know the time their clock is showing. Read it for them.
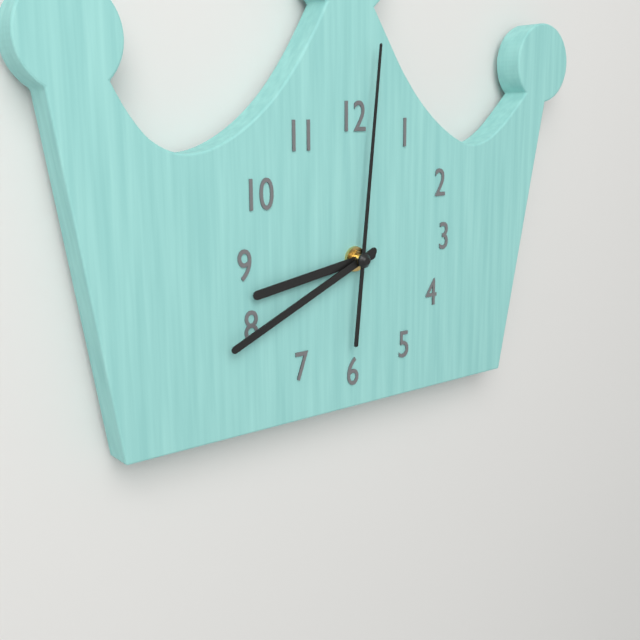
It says 8:41:01
